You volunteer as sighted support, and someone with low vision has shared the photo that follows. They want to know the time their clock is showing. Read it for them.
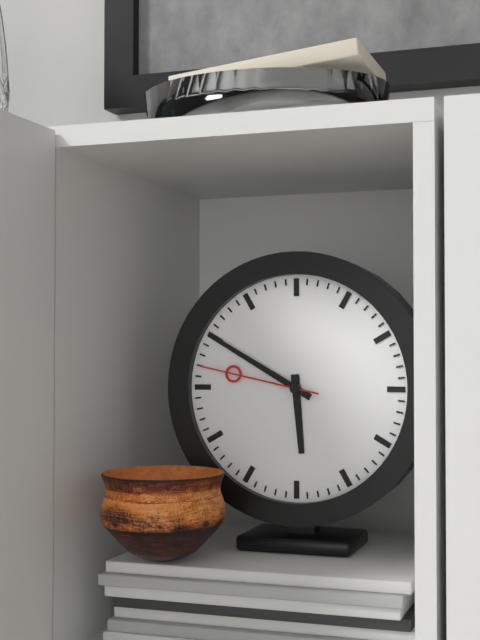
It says 5:50:47
